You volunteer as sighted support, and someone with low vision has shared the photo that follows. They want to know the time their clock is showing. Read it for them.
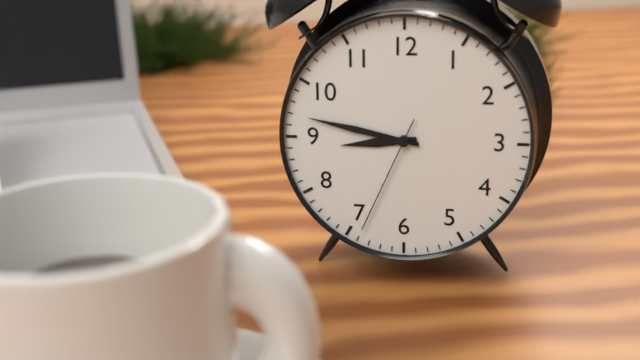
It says 8:47:34
